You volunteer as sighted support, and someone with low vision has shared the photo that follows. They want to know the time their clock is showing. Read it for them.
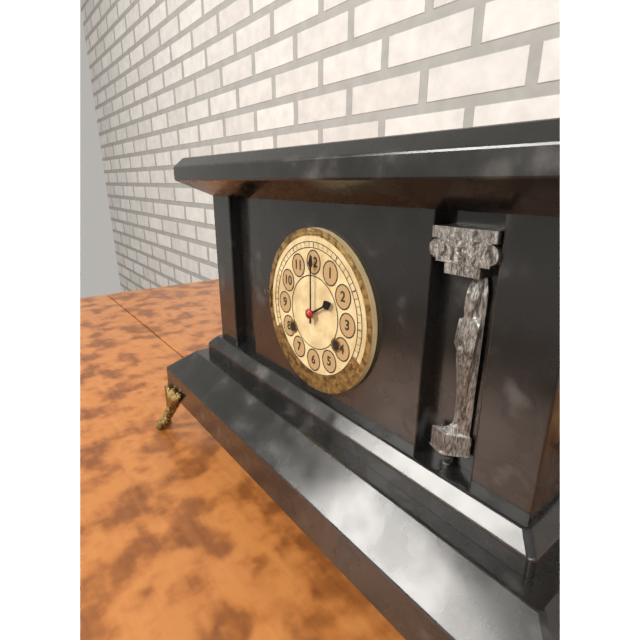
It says 2:00
